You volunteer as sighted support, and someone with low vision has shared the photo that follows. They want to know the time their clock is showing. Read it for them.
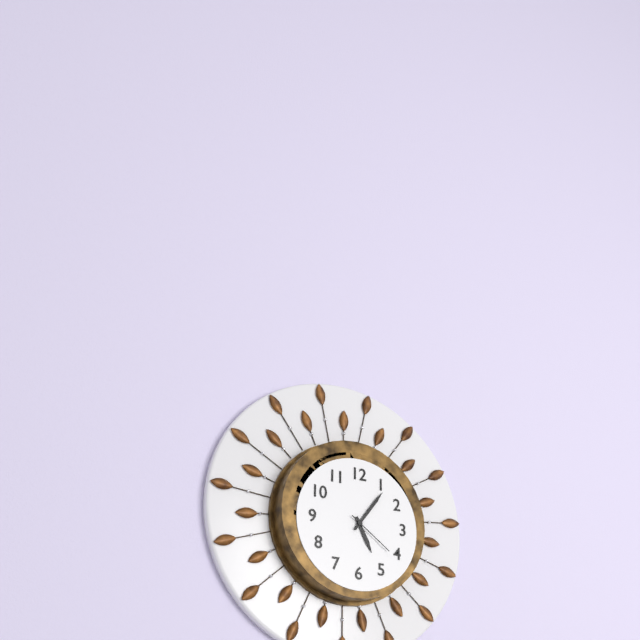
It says 5:06:21
